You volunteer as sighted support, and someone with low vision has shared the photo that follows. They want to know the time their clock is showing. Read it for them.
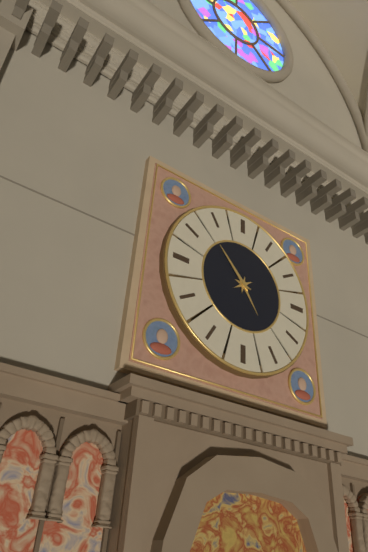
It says 4:53
